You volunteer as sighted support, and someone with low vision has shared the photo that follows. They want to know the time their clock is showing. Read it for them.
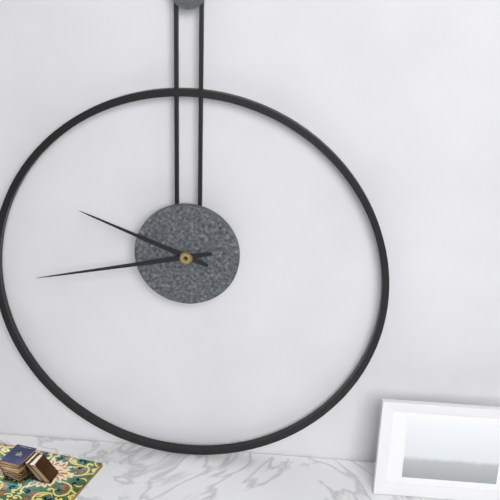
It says 9:43
